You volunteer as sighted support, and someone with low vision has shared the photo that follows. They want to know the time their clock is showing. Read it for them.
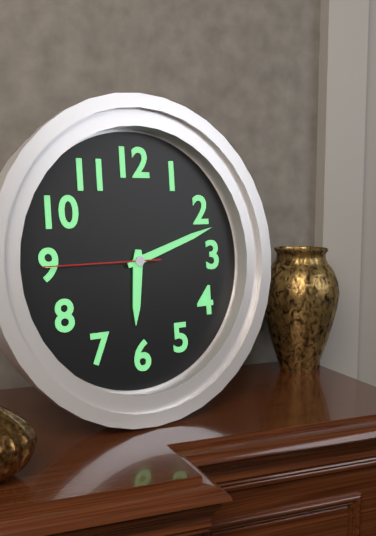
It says 6:12:45
